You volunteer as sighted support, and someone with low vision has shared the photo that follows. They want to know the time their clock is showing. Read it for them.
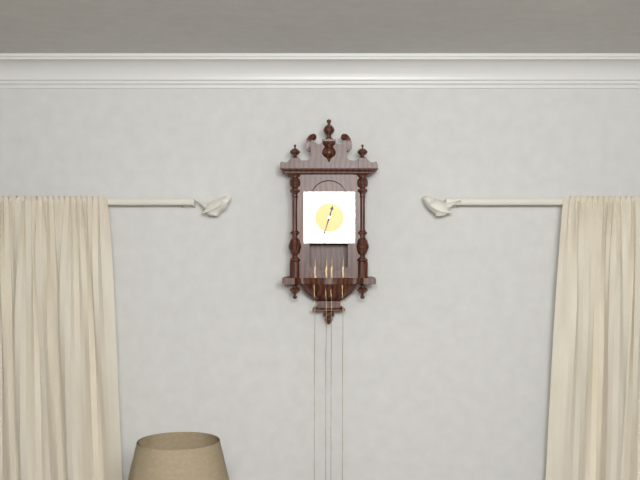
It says 12:33
